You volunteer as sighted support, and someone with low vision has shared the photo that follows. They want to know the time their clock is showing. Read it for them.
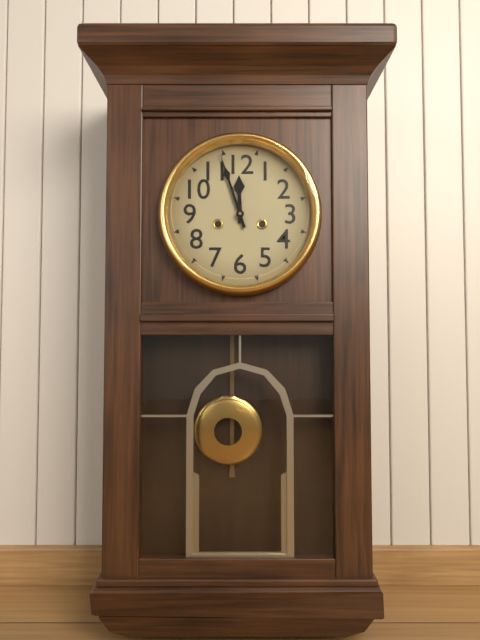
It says 11:57
